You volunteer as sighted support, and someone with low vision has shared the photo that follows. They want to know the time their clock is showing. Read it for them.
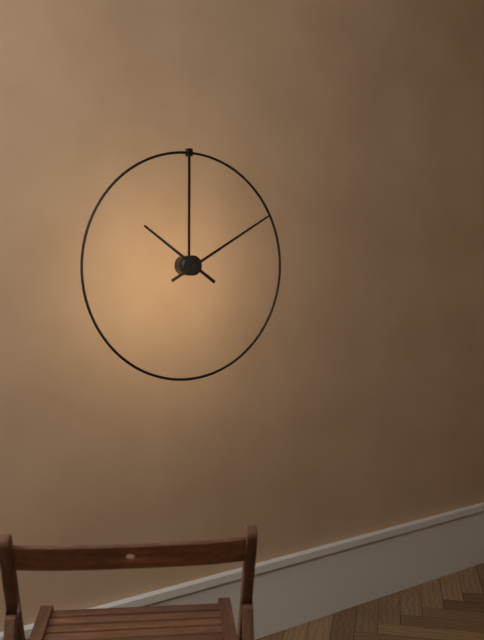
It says 10:10
